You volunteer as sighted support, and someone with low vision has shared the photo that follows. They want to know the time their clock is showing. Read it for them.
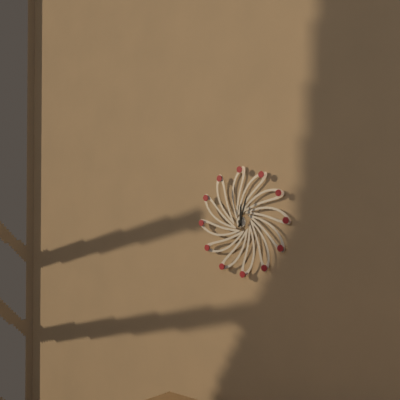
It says 12:03
